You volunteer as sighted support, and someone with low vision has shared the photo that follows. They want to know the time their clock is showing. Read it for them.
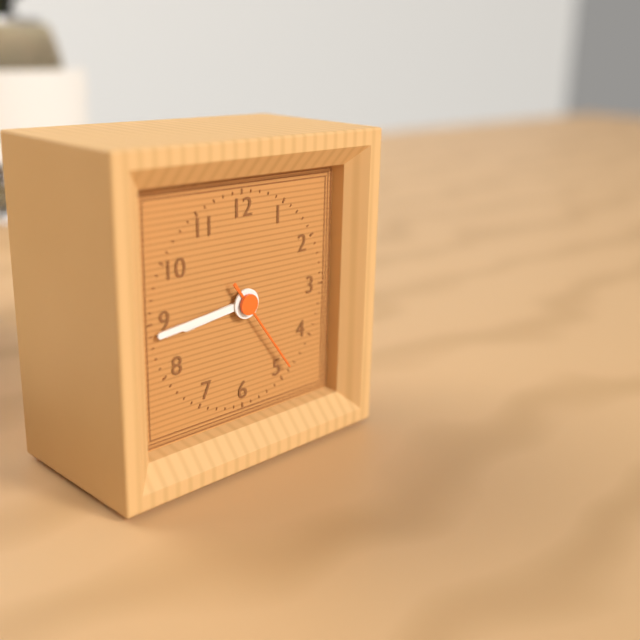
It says 8:44:24
